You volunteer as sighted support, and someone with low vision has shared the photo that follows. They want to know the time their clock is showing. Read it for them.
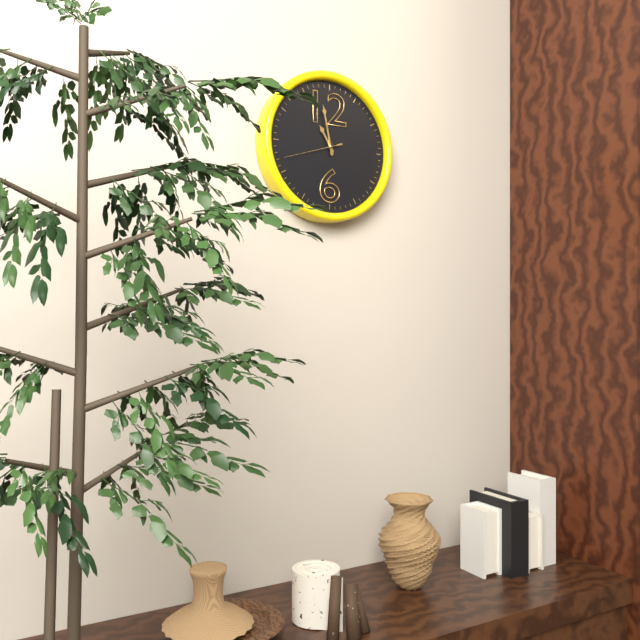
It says 10:58:42
